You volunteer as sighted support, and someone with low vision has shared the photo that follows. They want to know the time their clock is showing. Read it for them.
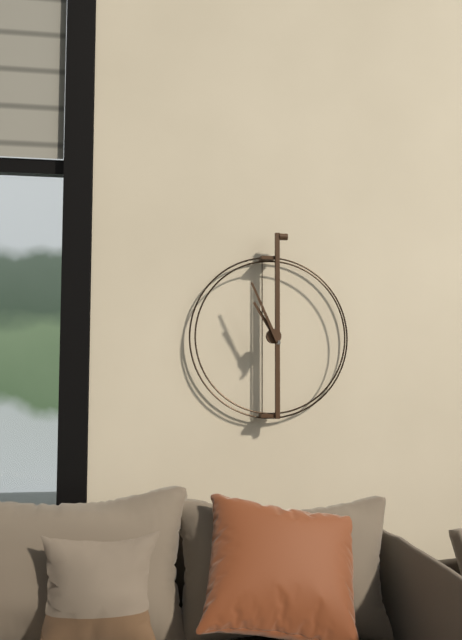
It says 10:56
